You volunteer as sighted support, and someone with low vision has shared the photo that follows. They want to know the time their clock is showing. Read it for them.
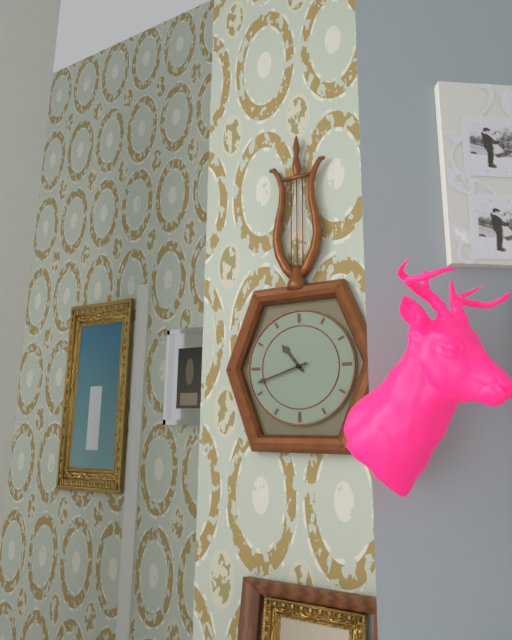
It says 10:42
